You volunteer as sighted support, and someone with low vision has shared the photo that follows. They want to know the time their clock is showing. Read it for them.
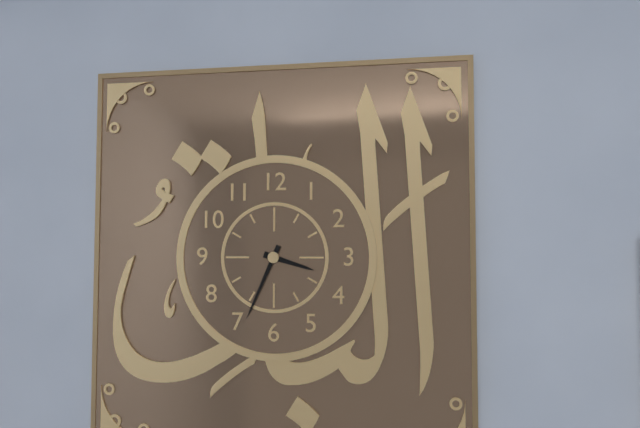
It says 3:34
